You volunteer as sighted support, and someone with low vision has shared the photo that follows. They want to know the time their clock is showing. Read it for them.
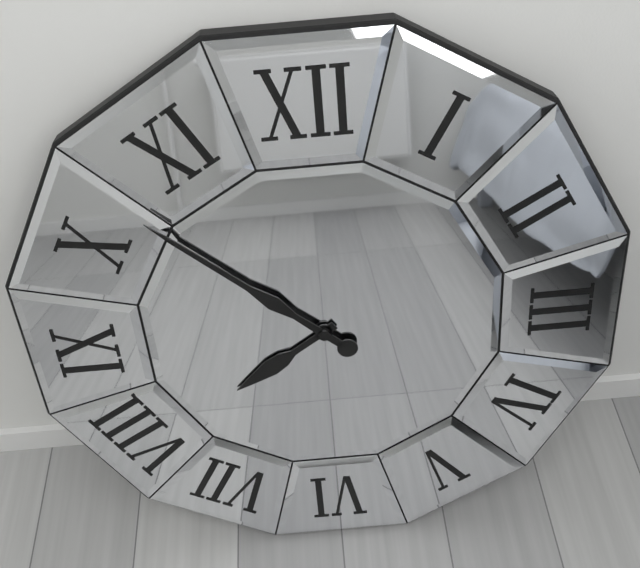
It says 7:52
